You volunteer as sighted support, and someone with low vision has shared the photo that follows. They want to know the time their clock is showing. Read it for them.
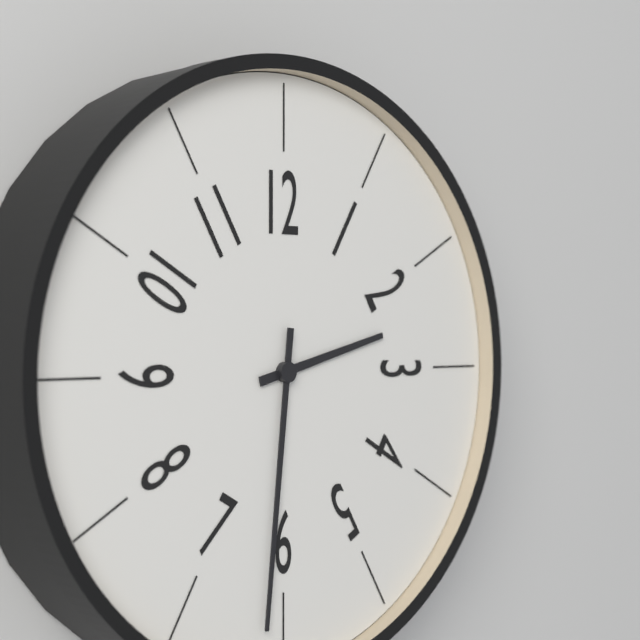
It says 2:31
